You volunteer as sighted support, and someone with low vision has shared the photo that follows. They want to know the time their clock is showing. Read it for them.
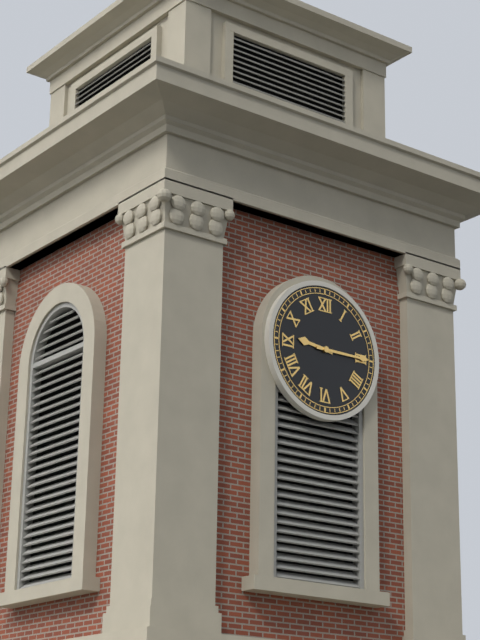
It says 9:15
